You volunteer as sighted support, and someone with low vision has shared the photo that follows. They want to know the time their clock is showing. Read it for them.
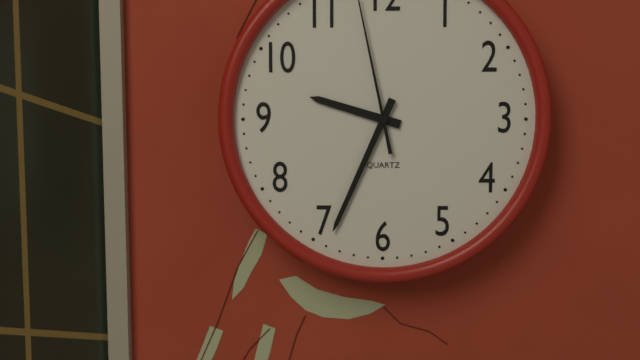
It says 9:34
